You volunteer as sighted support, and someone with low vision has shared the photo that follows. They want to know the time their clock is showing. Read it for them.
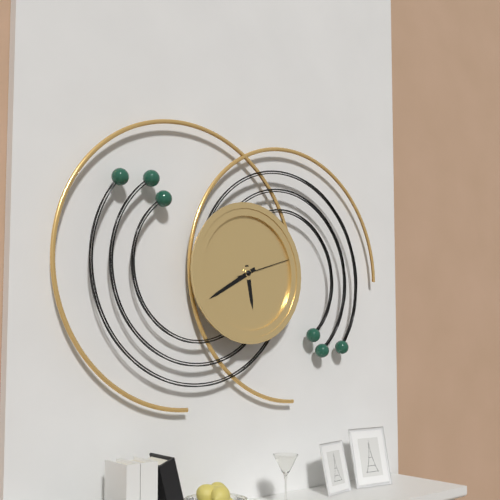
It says 5:40:12
